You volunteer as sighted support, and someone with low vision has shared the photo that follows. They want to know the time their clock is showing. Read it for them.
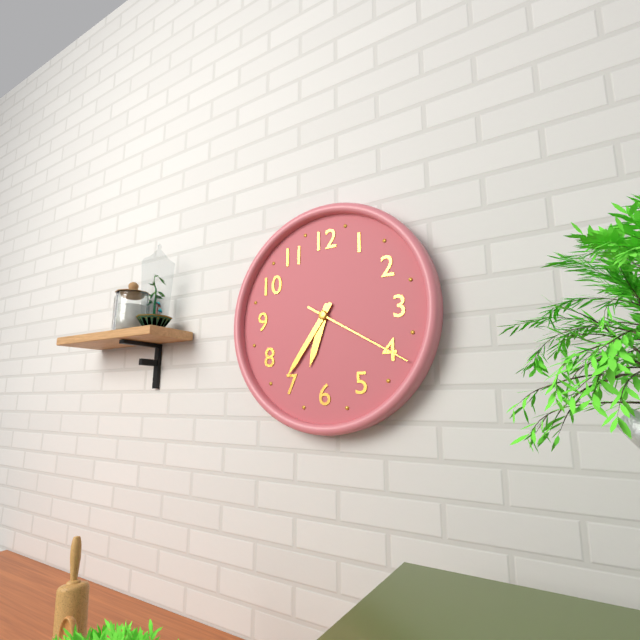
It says 6:36:20
